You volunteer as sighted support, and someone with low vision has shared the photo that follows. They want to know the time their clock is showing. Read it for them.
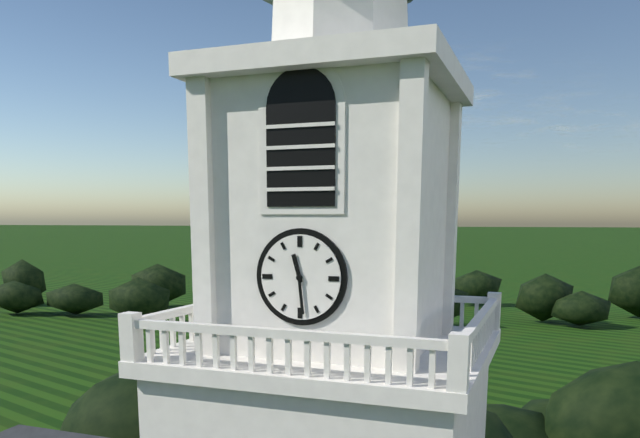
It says 11:29
